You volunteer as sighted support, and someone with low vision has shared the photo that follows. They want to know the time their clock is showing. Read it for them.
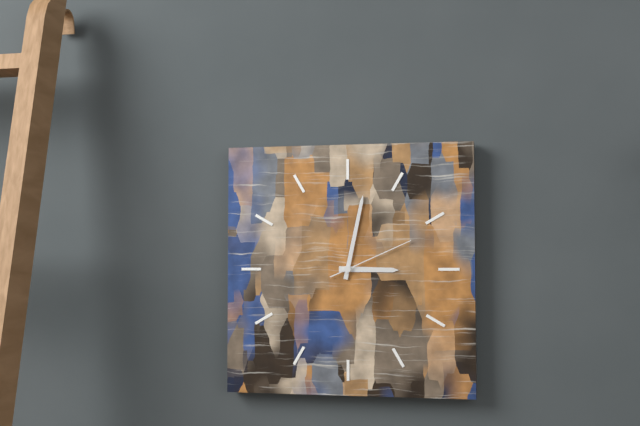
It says 3:02:11
